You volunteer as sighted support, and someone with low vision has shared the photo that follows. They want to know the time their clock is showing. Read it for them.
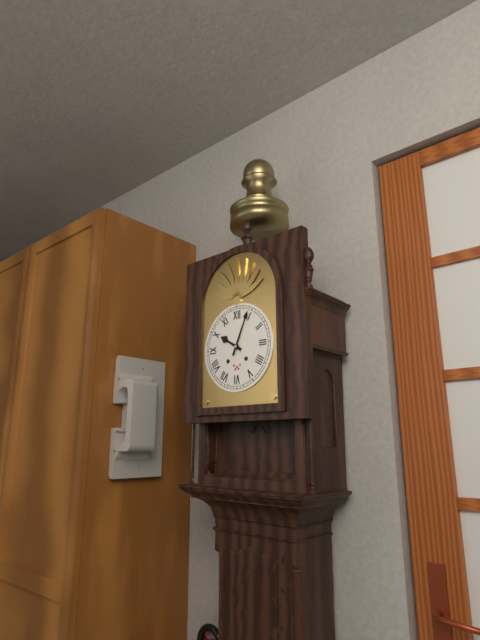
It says 10:04
